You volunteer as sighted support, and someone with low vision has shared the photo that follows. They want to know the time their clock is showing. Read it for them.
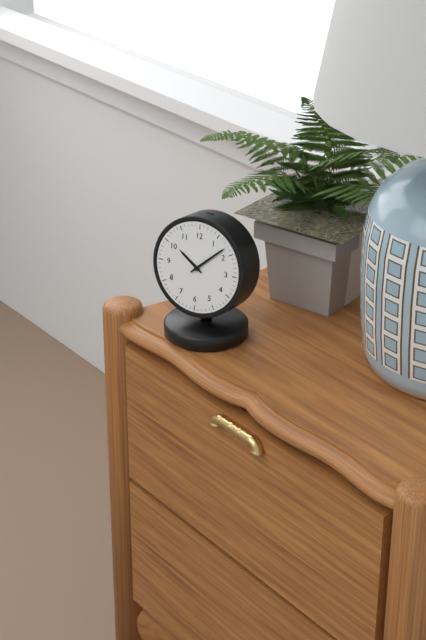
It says 10:08
